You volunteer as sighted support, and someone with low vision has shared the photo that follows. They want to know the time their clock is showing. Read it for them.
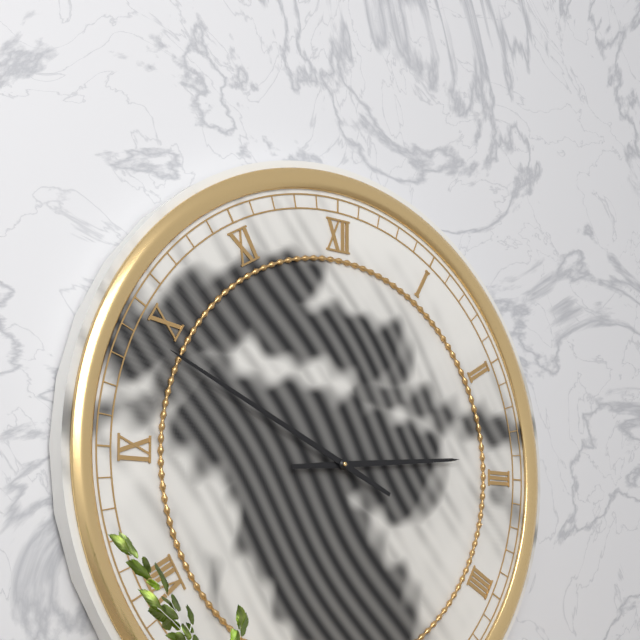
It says 2:49
